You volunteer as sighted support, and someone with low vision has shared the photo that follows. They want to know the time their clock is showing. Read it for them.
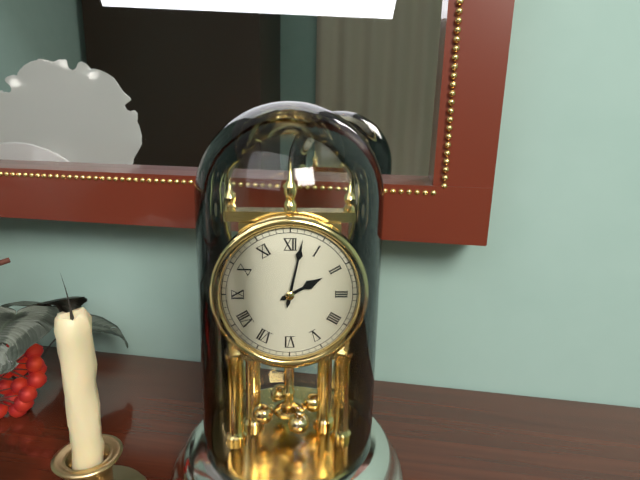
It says 2:02
